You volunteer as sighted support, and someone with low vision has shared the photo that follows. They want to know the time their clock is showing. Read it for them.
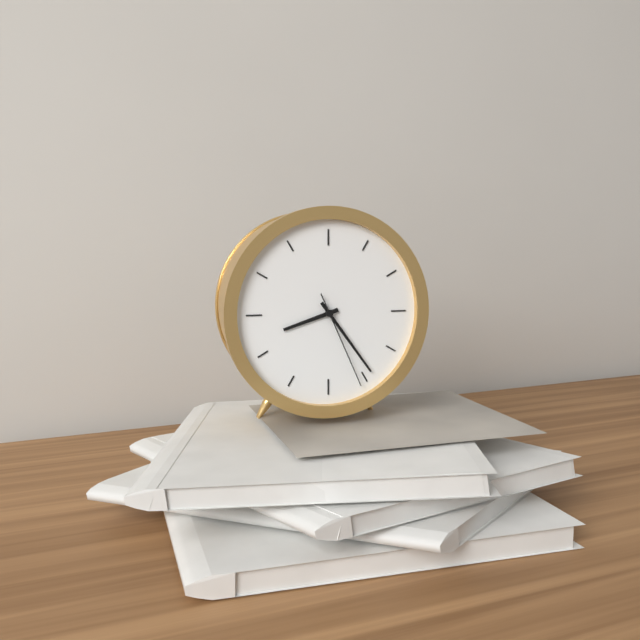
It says 8:24:26
